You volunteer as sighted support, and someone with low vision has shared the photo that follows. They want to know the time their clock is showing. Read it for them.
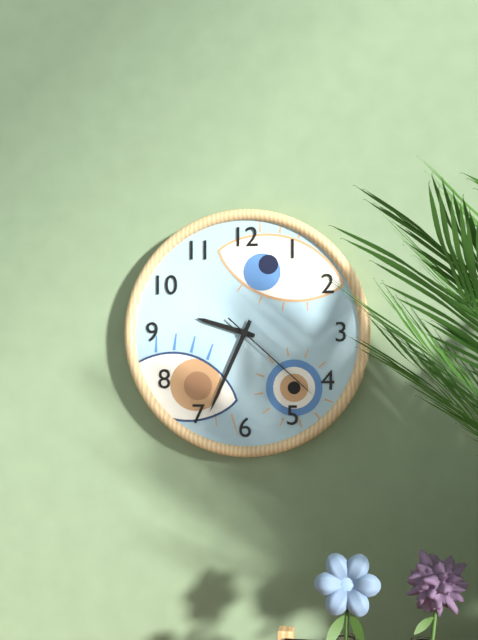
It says 9:34:22
